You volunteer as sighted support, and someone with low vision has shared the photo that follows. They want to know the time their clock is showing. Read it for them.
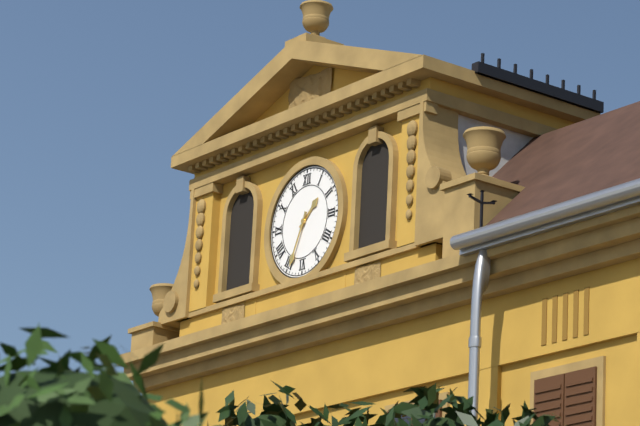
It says 1:34
